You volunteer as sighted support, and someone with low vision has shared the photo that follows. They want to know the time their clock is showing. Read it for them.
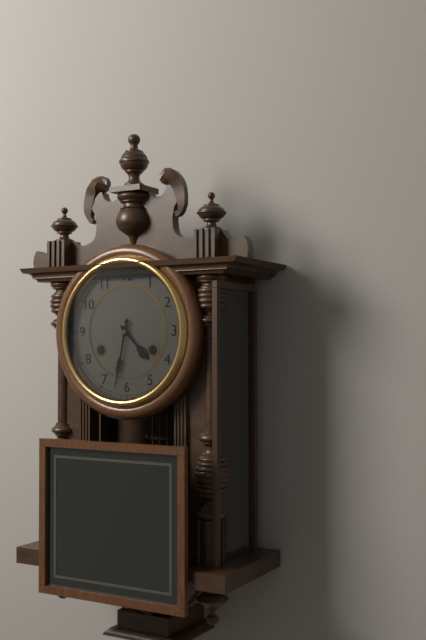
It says 4:32
